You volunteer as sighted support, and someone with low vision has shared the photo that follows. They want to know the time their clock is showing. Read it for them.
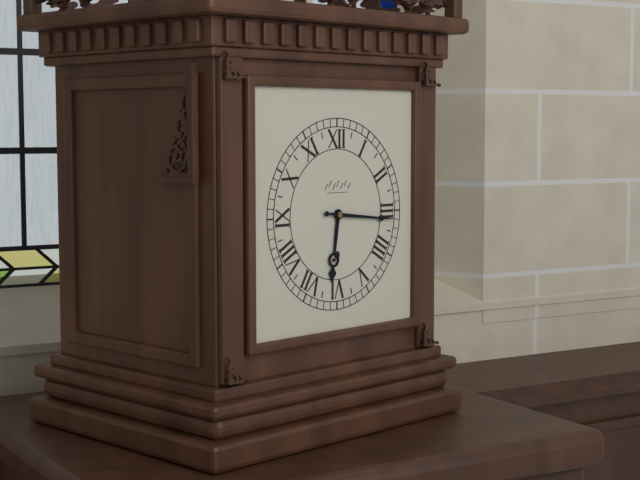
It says 6:16
